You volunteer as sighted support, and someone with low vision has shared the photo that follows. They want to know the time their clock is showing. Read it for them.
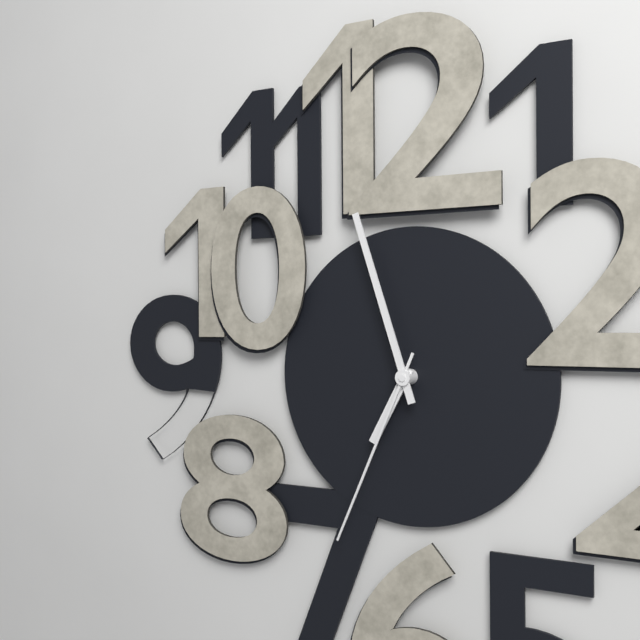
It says 6:57:34
